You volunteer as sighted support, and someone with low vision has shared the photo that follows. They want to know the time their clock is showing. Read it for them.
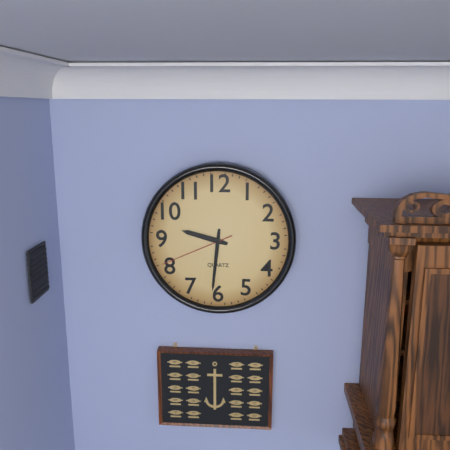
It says 9:31:41
